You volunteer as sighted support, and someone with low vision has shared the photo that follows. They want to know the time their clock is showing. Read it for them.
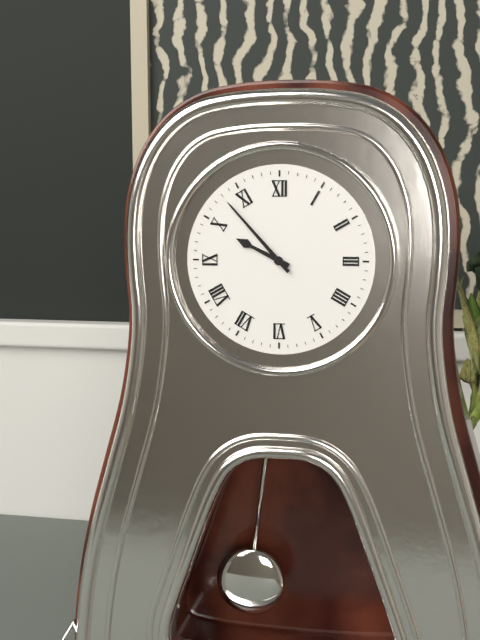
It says 9:53
